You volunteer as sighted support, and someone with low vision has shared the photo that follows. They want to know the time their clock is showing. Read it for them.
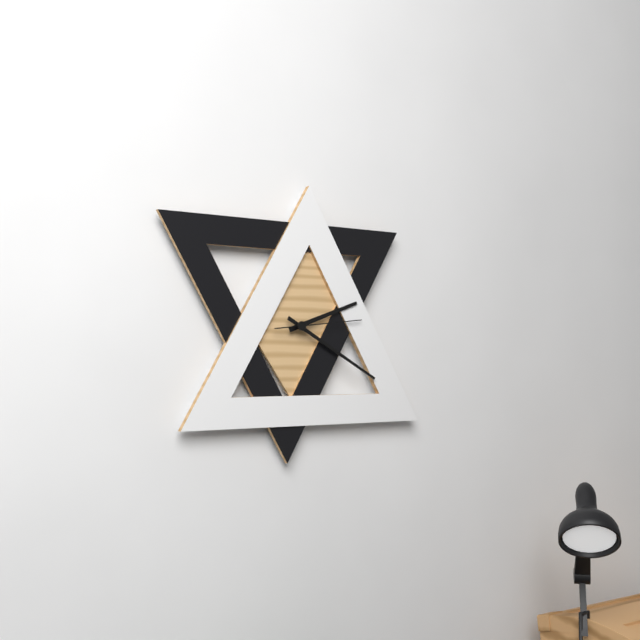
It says 2:20:14
